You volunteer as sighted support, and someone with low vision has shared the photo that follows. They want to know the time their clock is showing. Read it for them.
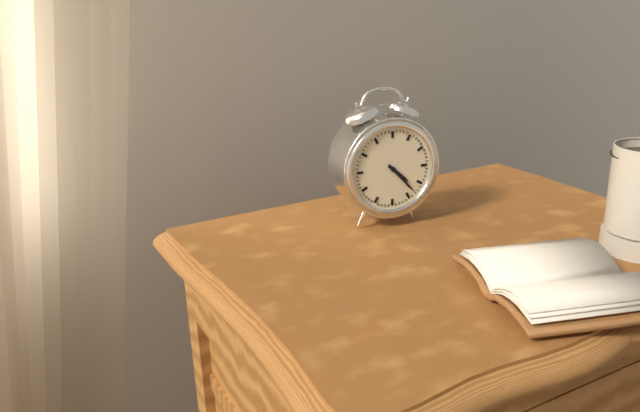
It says 4:23
